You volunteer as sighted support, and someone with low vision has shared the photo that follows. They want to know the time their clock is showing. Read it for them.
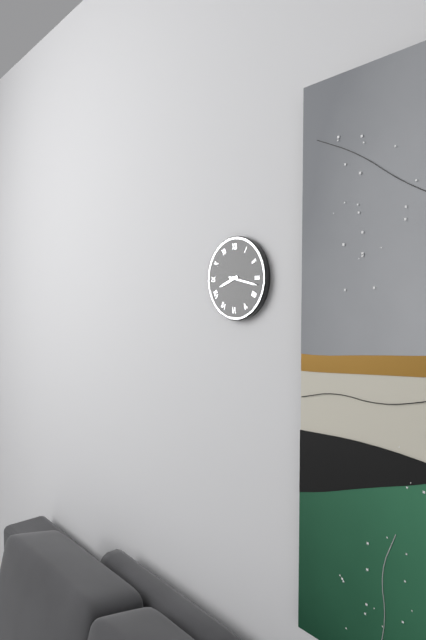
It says 8:17
